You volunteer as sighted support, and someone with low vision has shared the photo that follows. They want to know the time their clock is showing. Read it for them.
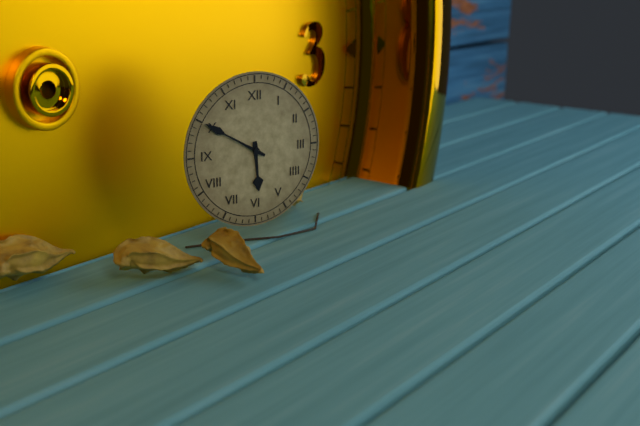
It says 5:50
